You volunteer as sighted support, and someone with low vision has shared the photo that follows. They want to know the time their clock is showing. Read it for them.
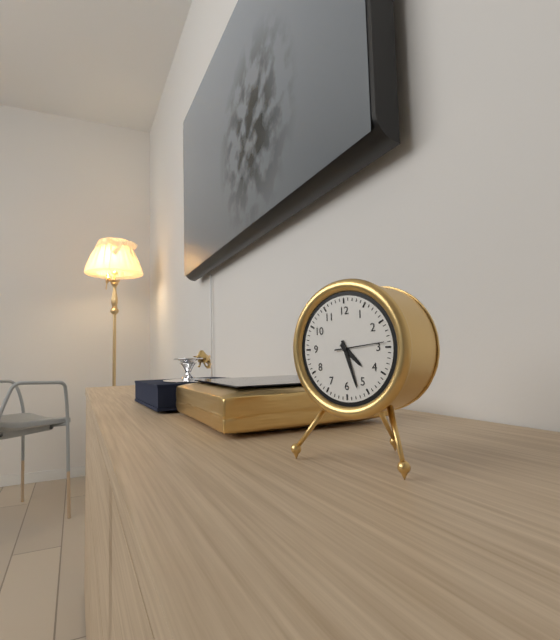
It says 4:27:14
